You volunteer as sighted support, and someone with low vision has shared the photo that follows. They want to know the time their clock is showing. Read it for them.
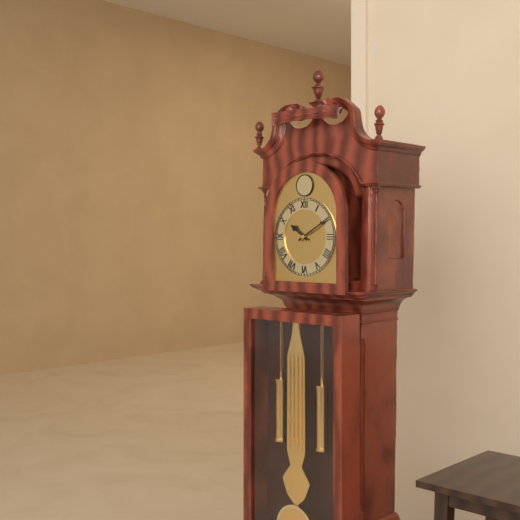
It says 10:10
